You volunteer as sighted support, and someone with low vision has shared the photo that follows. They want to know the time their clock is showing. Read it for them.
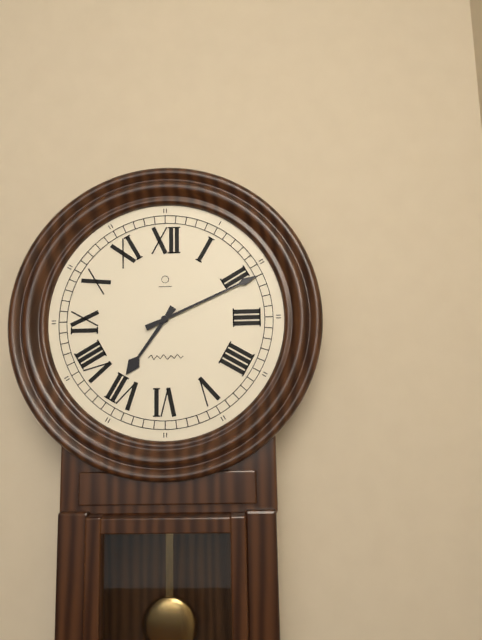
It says 7:11
